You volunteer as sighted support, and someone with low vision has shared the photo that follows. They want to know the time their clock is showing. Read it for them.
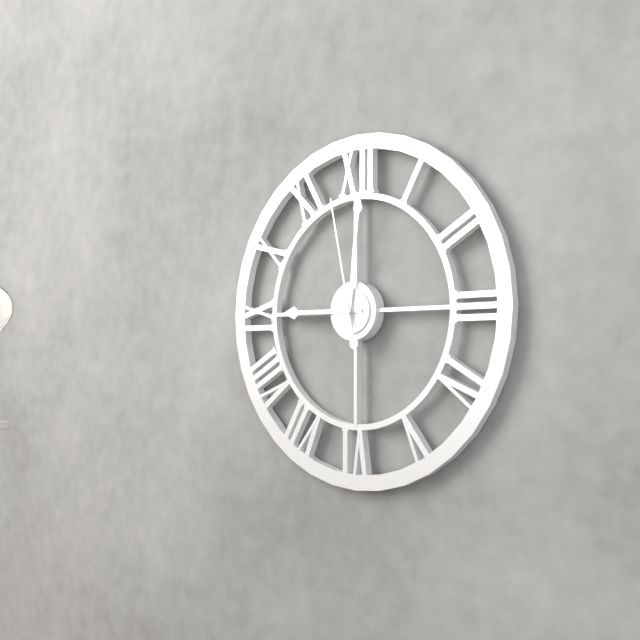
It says 9:01:58
